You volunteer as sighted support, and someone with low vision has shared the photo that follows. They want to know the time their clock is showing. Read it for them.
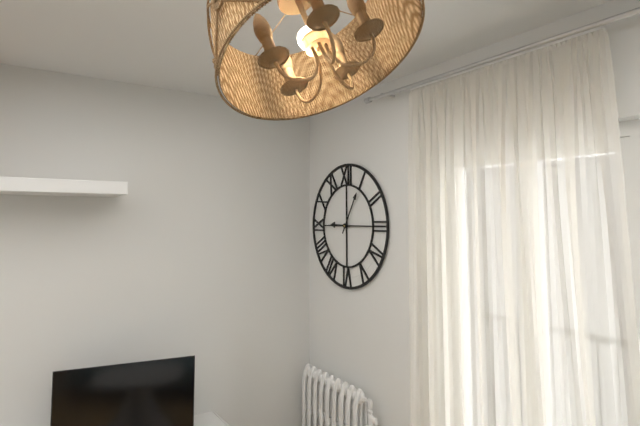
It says 9:05
